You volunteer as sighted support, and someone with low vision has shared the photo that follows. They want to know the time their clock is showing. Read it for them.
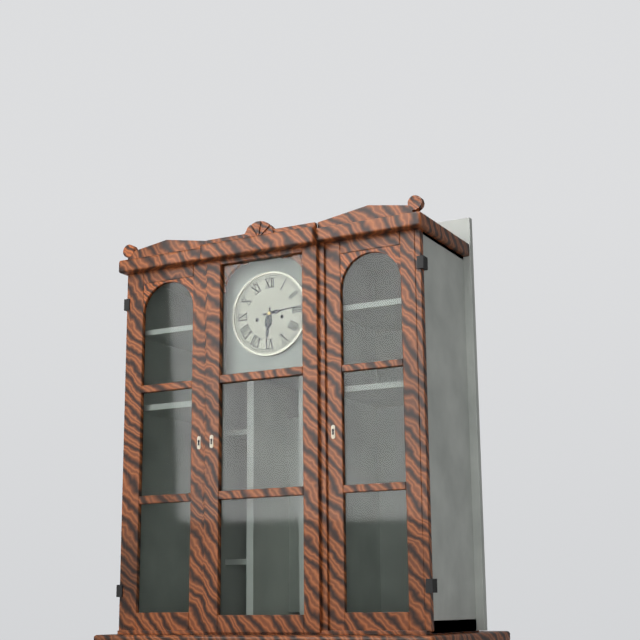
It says 6:14
